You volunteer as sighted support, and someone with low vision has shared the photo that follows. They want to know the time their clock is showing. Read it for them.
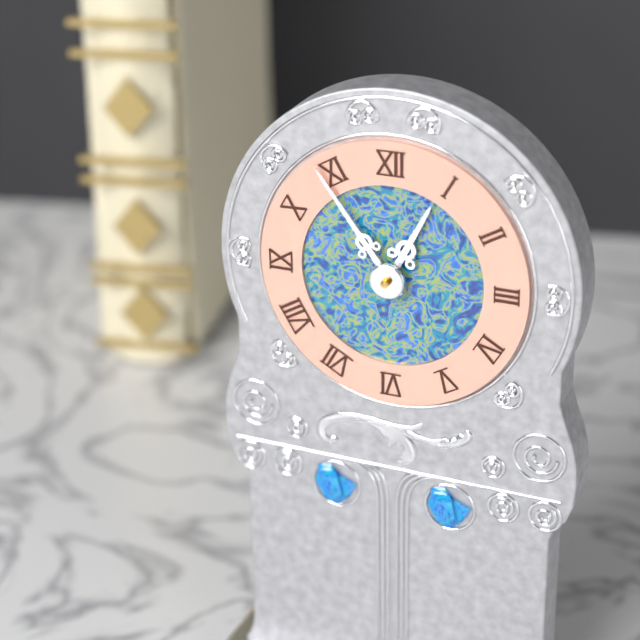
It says 12:54
